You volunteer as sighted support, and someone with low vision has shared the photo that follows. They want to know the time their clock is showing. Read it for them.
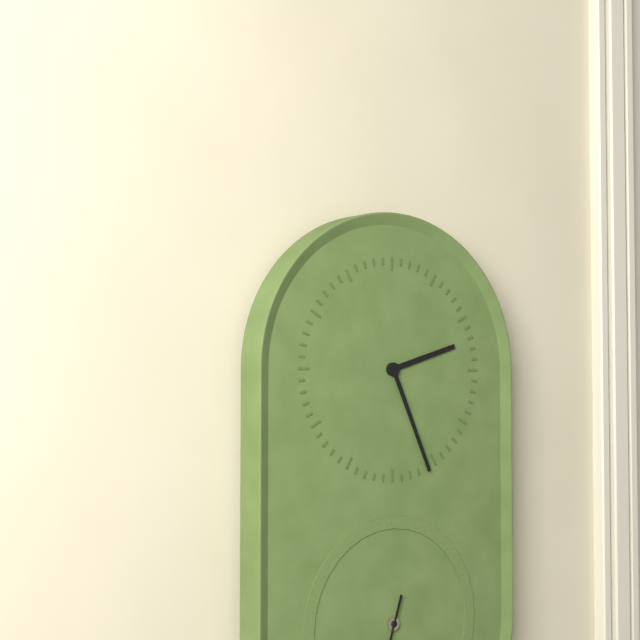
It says 2:26
